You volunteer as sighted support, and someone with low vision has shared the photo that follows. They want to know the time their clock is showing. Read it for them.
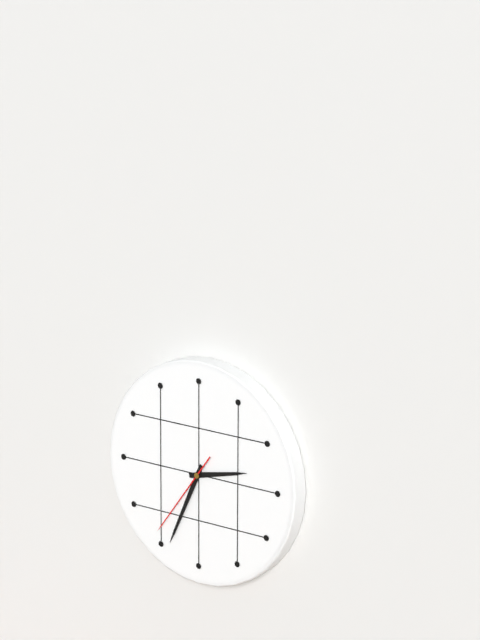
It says 2:34:36
